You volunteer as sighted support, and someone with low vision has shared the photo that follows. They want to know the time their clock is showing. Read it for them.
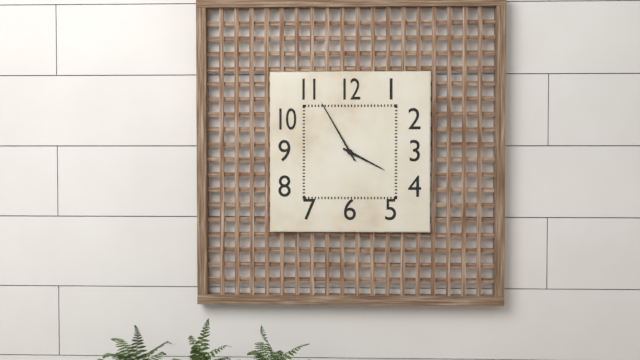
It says 3:55
